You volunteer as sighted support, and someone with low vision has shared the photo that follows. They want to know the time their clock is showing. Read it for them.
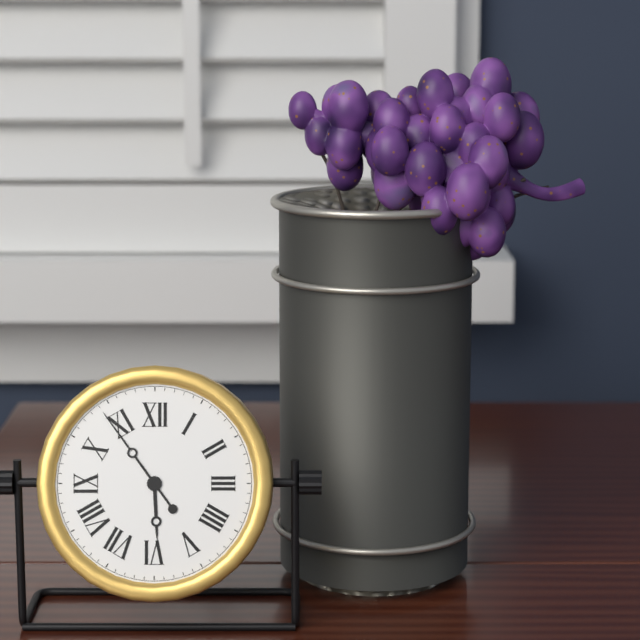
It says 5:54
